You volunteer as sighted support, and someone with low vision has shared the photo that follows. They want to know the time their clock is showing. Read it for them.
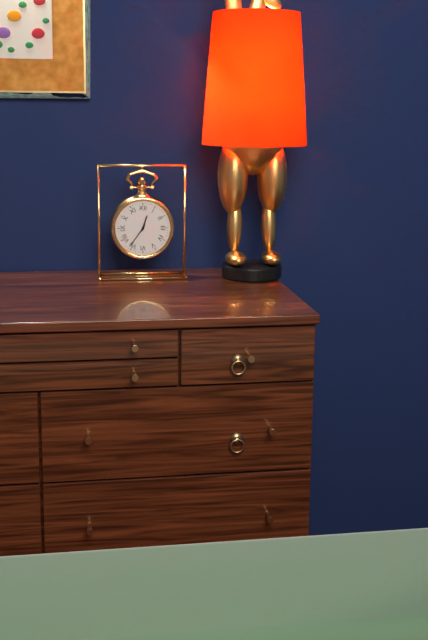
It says 12:36
